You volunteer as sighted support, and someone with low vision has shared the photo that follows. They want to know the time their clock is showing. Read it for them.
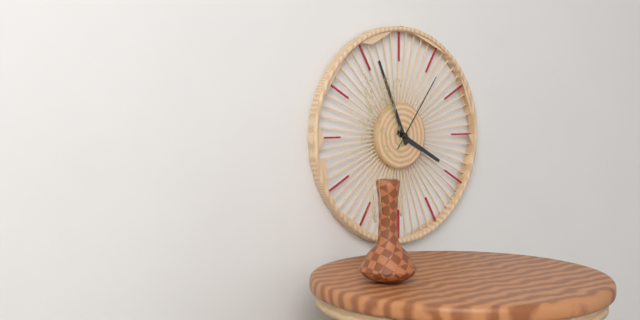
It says 3:56:06
